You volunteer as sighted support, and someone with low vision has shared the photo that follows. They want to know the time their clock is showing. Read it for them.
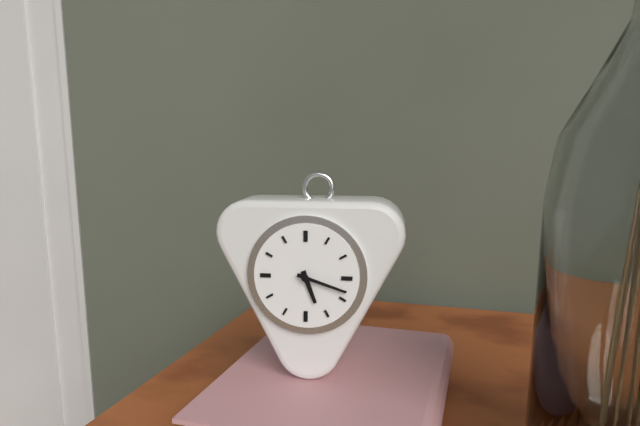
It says 5:18
